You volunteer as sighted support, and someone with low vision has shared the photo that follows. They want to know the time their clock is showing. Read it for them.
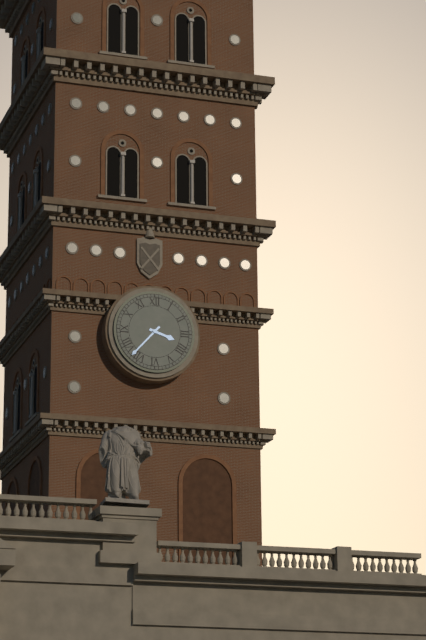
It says 3:37
